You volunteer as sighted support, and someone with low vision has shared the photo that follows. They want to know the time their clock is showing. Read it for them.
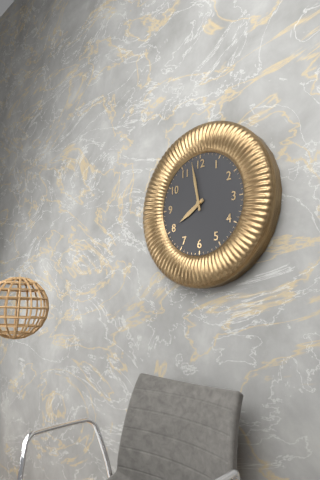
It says 7:58
